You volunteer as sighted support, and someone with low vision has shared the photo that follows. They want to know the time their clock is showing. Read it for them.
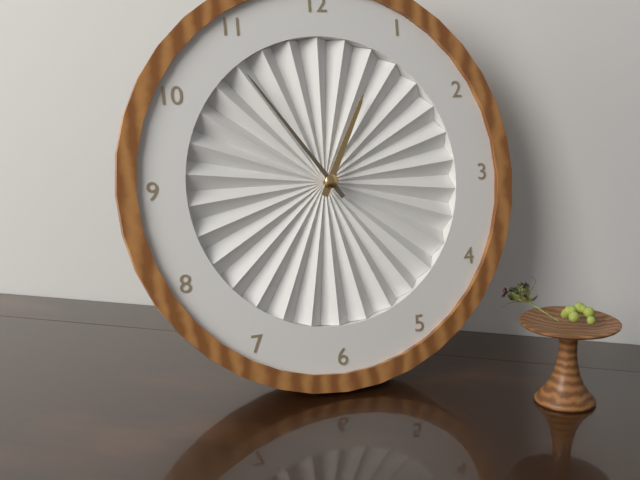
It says 12:54
